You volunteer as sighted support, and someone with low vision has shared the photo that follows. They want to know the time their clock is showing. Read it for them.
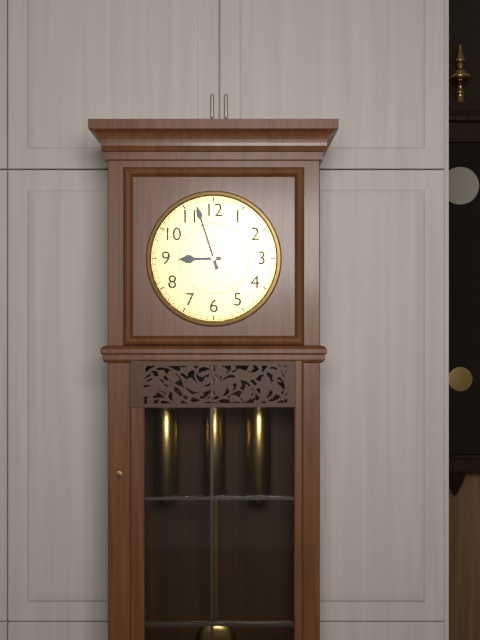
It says 8:57
